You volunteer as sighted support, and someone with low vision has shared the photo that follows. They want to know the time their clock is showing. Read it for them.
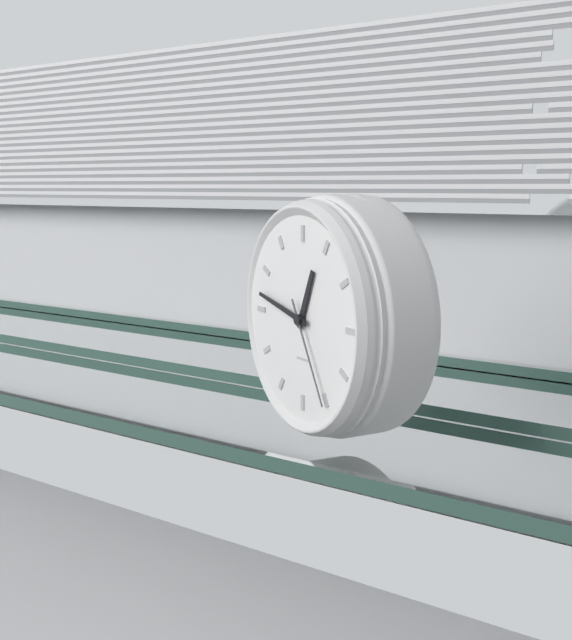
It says 12:47:25
